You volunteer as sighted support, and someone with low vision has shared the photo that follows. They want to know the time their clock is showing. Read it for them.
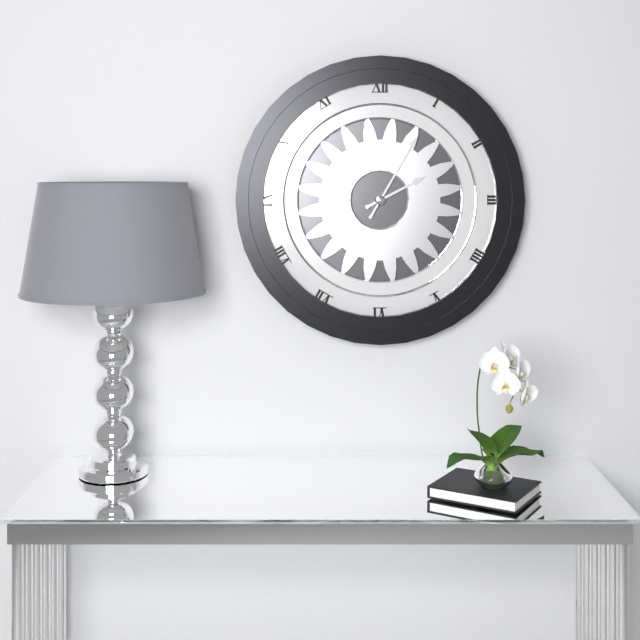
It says 2:05
